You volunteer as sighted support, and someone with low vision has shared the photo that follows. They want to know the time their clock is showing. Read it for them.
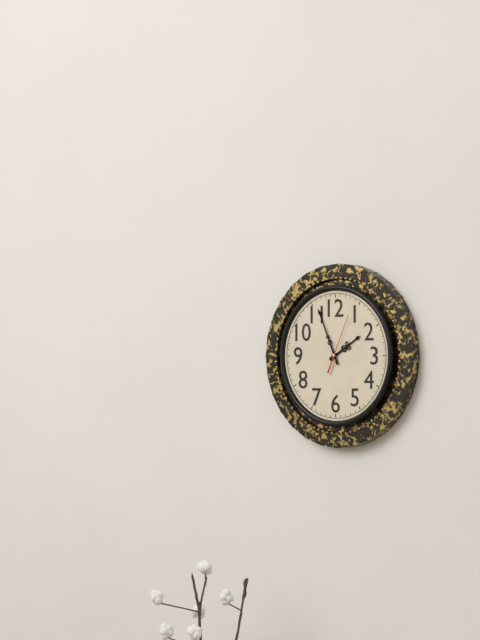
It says 1:56:04
